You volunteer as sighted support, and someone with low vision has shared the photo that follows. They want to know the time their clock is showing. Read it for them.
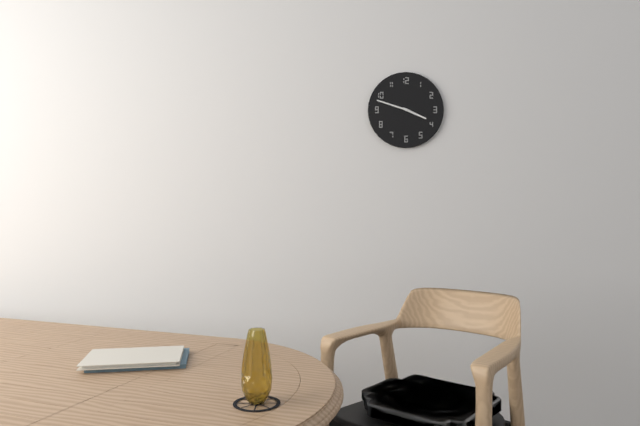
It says 3:48
